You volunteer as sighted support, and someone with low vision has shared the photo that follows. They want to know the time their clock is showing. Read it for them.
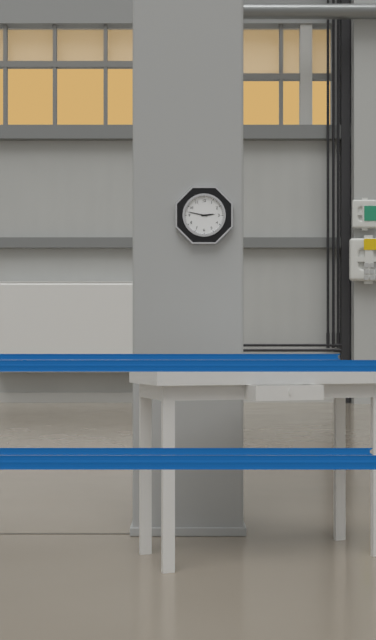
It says 2:47
